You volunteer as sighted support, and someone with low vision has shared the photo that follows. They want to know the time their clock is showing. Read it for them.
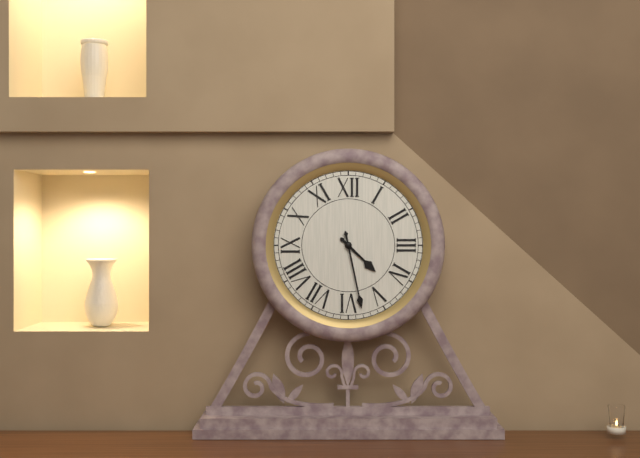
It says 4:28
